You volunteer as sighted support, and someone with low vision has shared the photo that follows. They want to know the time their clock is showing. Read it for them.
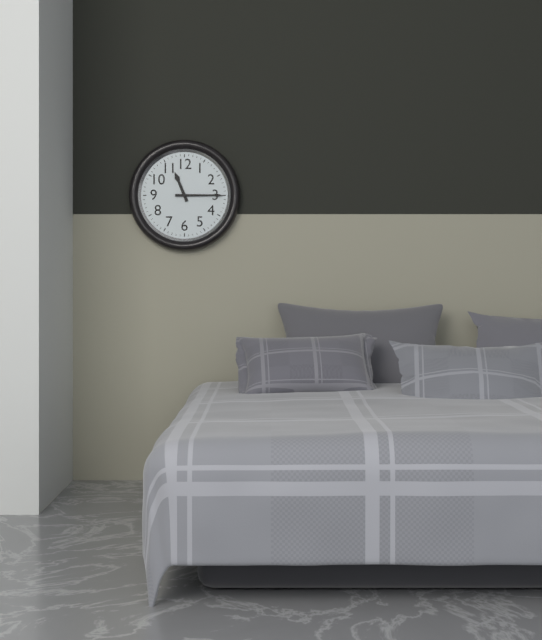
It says 11:15
